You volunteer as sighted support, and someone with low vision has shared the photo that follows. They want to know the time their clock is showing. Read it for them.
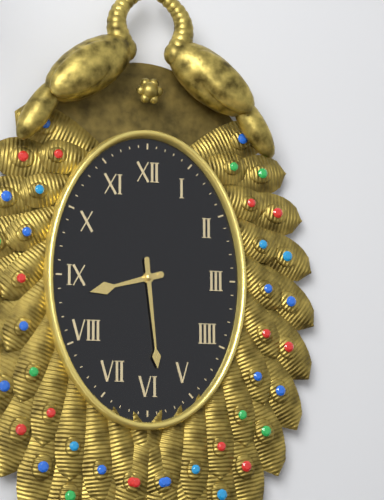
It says 8:29
